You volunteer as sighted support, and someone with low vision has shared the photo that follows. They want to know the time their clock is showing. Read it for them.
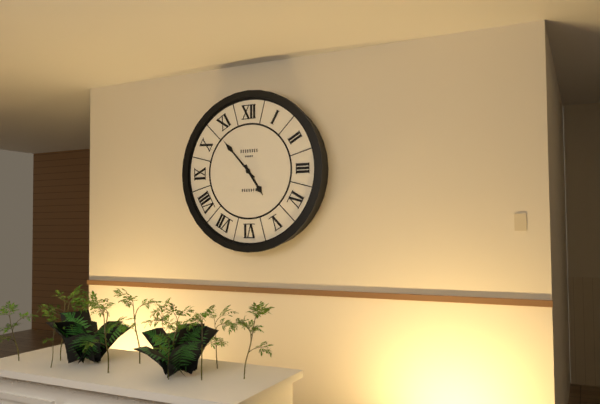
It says 4:53
